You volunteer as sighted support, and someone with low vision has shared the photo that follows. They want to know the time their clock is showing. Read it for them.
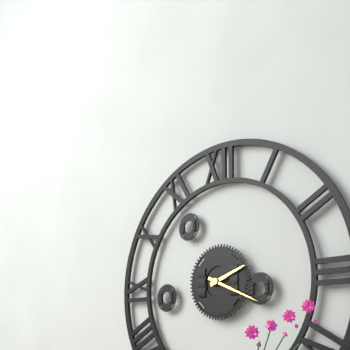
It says 2:19
